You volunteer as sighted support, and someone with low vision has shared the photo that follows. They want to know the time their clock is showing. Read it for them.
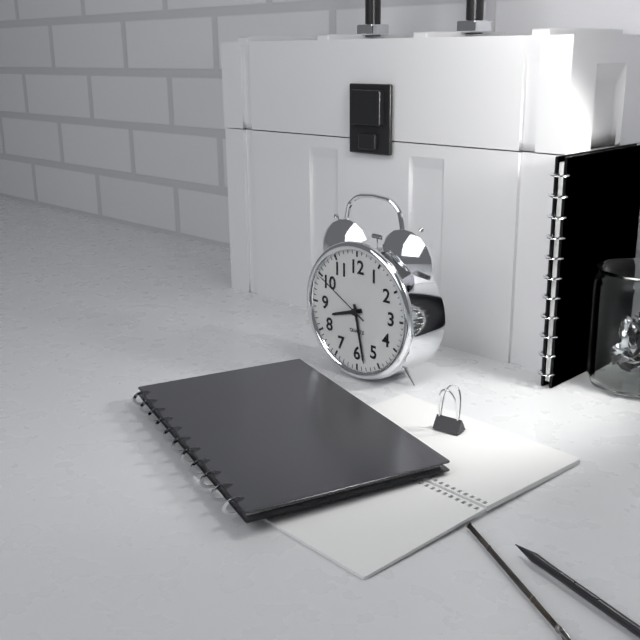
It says 8:28:50
